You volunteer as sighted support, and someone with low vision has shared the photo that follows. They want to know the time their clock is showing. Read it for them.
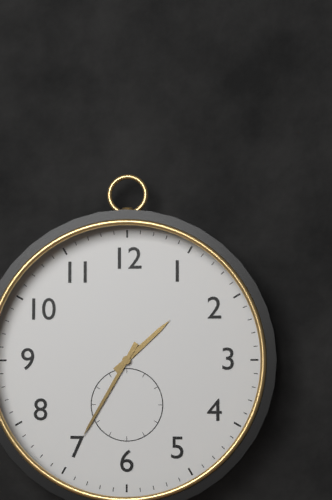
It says 1:35
